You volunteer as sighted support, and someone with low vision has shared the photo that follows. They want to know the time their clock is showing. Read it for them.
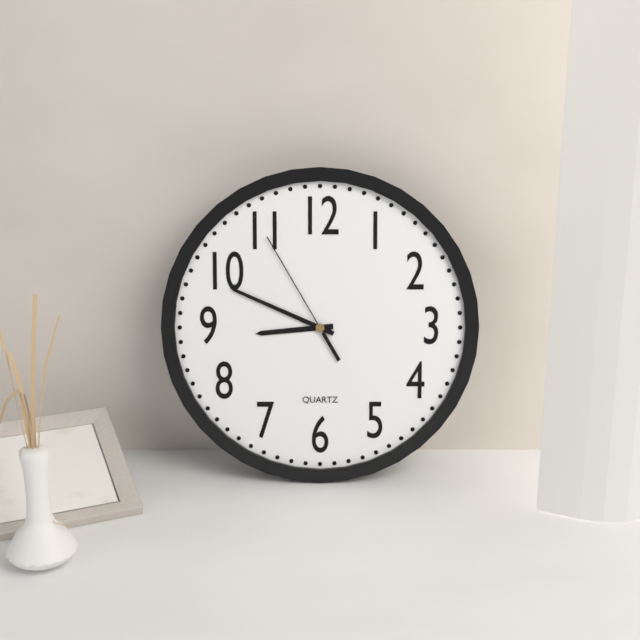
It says 8:49:55
